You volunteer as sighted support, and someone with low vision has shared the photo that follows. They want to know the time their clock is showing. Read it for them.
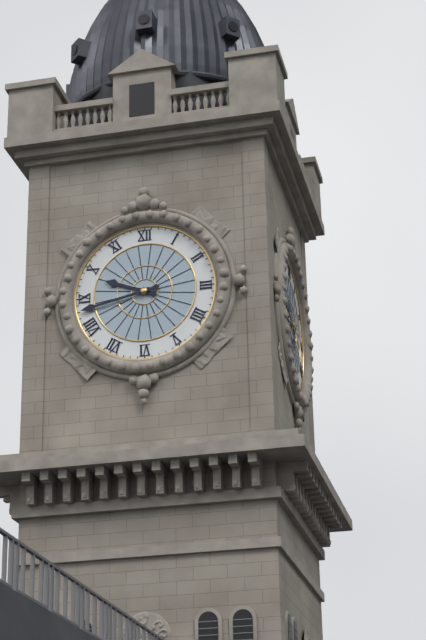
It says 9:43
